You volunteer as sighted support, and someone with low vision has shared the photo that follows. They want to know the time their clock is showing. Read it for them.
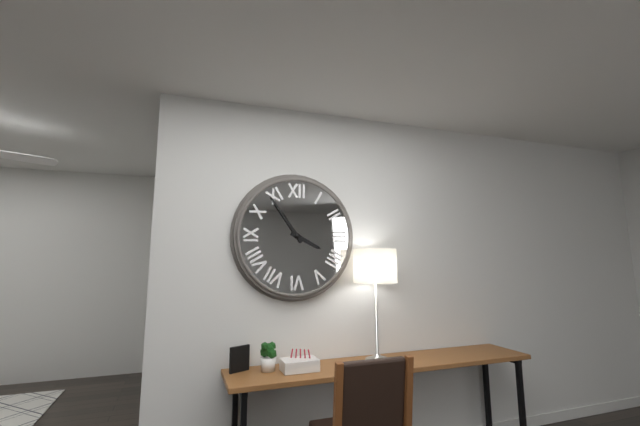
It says 3:54
